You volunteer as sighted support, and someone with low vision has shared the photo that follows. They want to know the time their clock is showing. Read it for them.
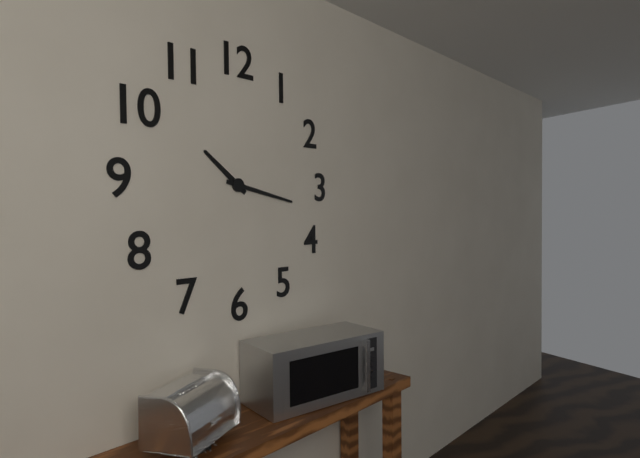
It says 10:17
